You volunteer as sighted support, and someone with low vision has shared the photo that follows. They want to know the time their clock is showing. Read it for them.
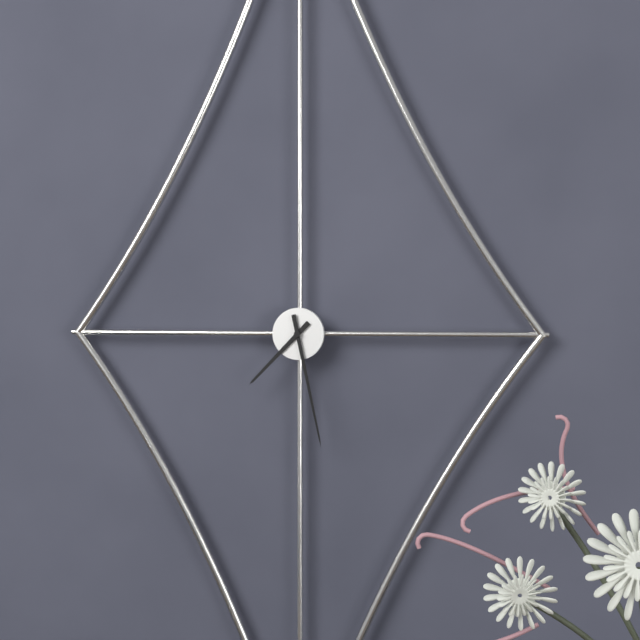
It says 7:28
